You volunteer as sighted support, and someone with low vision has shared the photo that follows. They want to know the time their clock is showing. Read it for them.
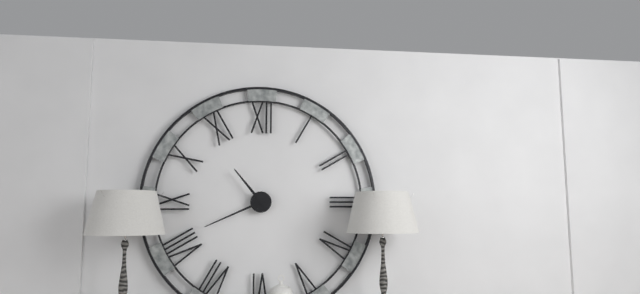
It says 10:41
